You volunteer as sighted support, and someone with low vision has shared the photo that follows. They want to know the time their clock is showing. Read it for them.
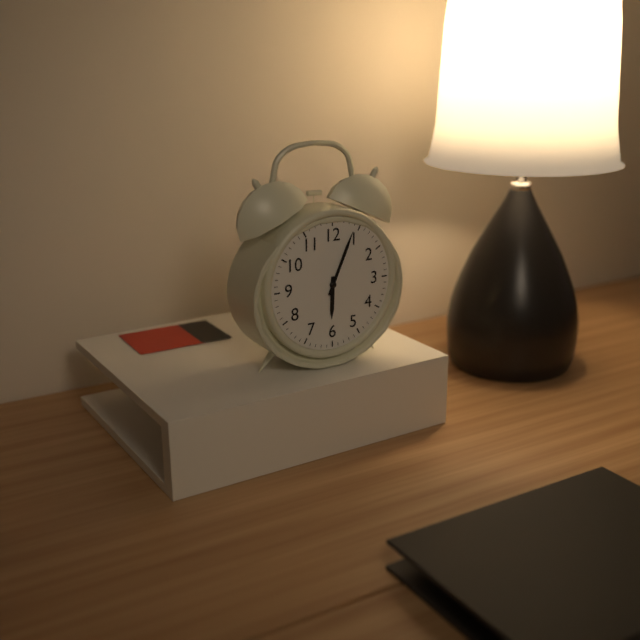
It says 6:04
